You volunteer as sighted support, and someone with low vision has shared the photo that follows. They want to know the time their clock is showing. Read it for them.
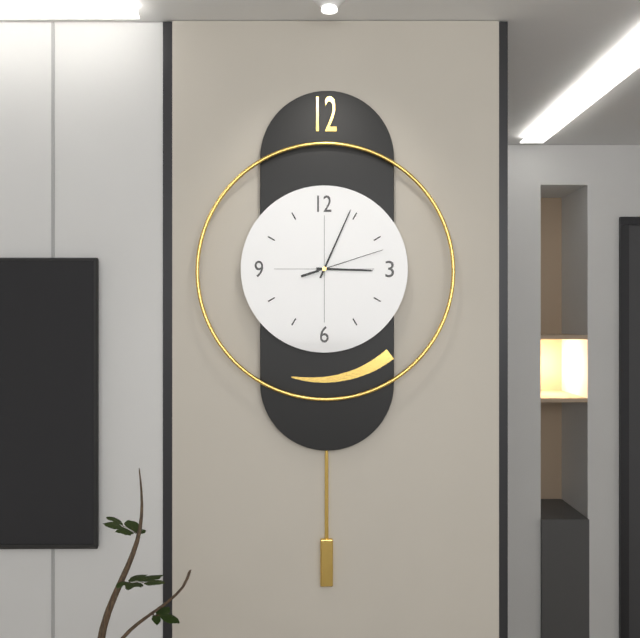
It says 3:04:12
